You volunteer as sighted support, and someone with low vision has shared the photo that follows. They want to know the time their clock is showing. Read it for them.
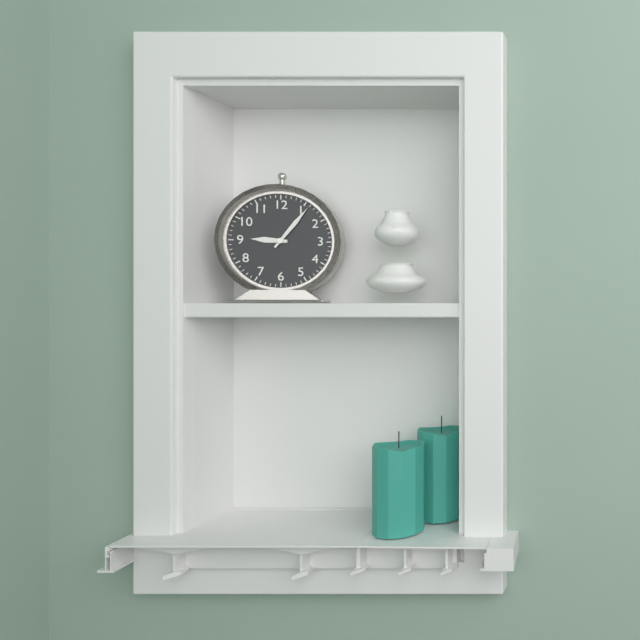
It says 9:06
